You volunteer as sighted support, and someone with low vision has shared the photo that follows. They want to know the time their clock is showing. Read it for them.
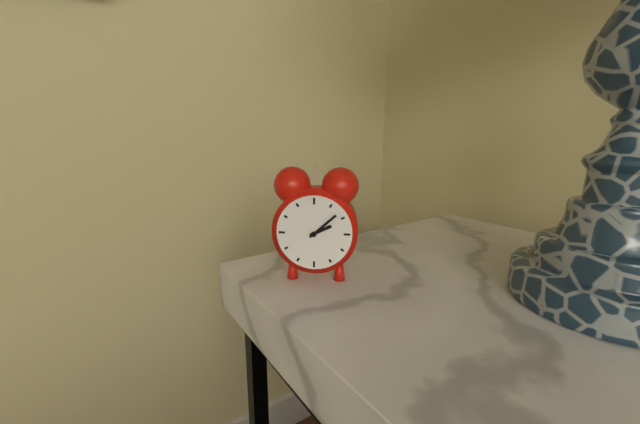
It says 2:08
